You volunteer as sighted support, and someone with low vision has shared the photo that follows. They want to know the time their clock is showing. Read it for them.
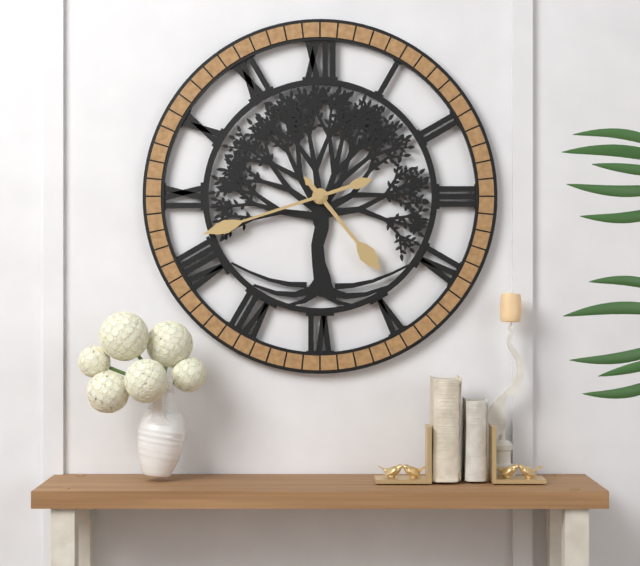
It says 4:42
